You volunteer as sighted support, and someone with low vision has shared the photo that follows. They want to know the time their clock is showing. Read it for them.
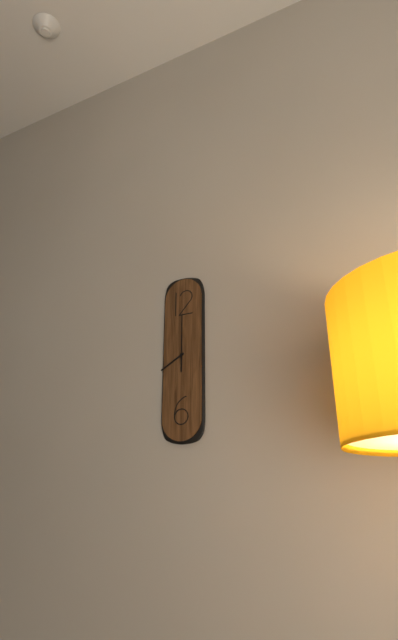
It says 8:00
